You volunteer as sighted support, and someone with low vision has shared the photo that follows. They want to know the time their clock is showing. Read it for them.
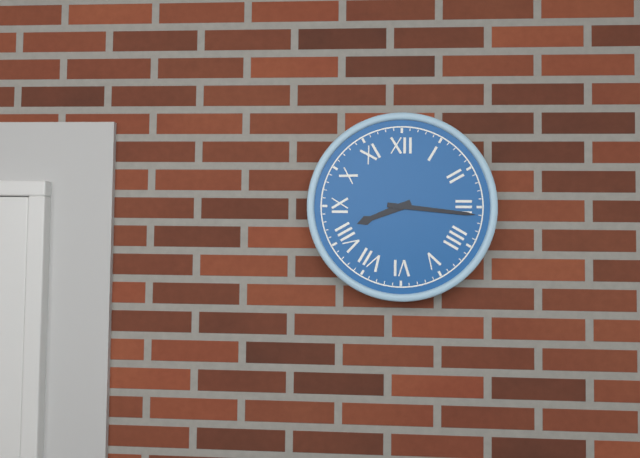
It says 8:16
